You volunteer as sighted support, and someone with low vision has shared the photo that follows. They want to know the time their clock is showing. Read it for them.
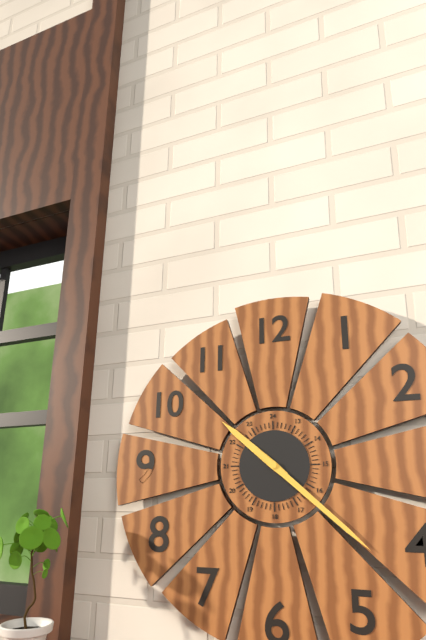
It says 10:22
